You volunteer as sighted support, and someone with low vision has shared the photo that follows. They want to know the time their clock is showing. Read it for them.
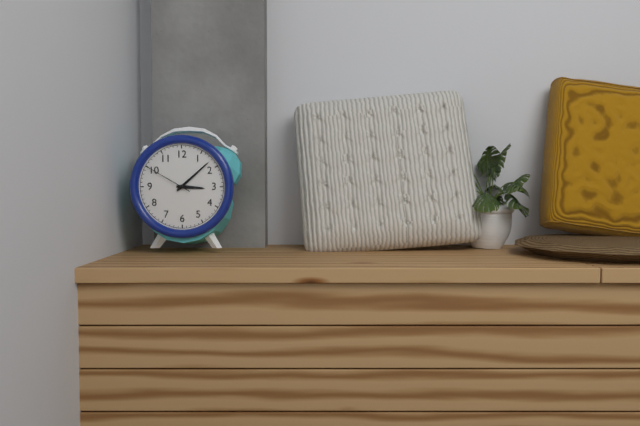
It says 3:08:50
